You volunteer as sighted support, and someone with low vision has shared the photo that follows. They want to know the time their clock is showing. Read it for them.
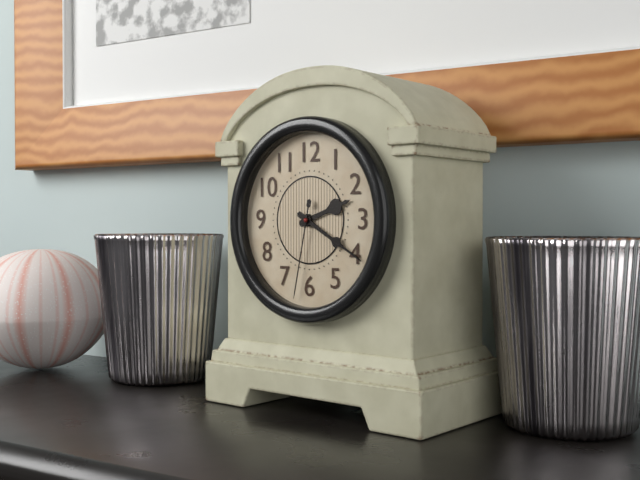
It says 2:20:32
